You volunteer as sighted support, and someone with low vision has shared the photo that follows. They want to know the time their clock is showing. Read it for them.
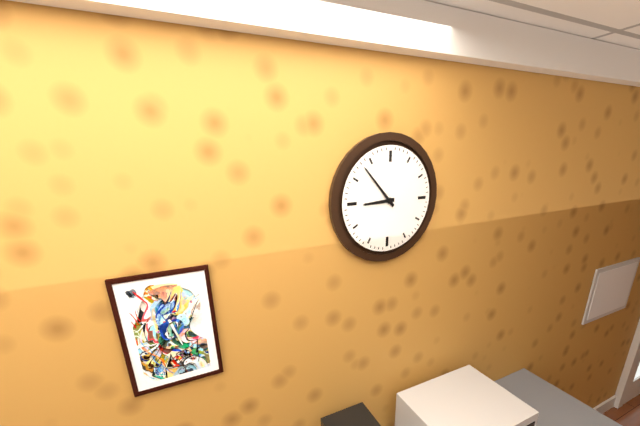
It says 8:53
